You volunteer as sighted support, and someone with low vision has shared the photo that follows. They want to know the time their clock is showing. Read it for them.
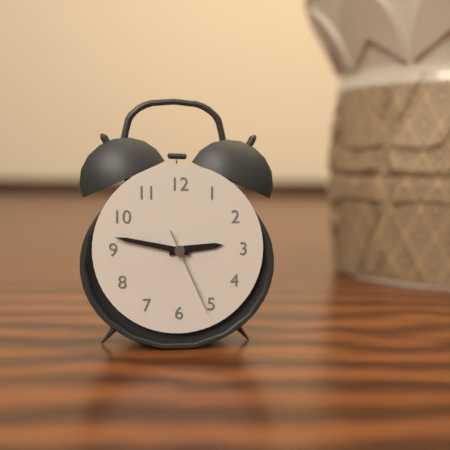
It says 2:47:26
